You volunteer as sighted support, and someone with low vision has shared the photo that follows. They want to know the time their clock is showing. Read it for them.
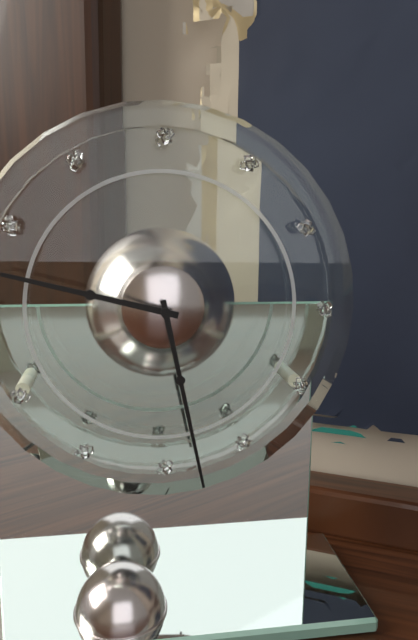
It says 9:28
